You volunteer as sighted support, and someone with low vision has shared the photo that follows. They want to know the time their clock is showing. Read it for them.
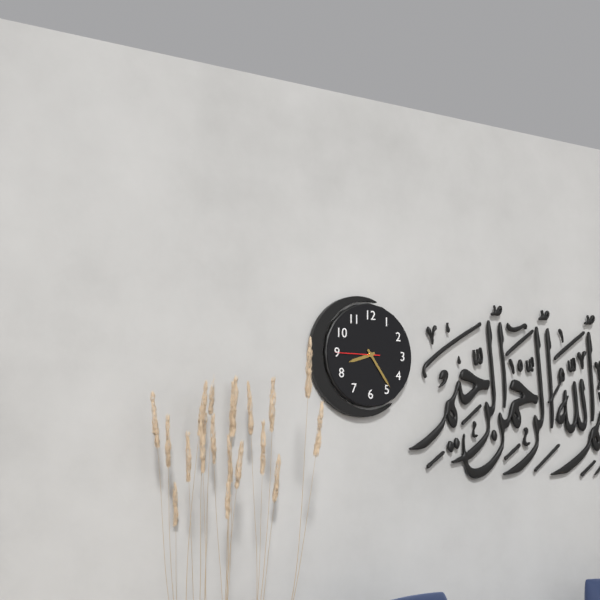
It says 8:24
